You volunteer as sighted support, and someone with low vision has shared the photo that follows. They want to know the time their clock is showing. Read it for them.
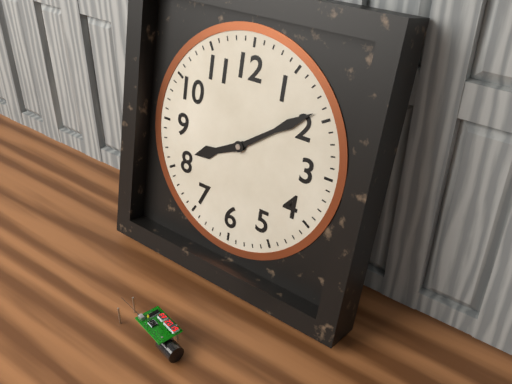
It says 8:09
